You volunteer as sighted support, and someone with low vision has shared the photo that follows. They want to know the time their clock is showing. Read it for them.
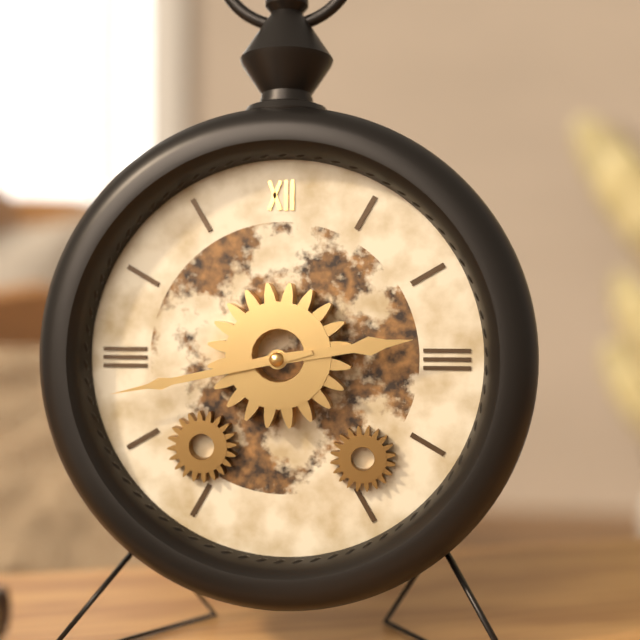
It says 2:43
